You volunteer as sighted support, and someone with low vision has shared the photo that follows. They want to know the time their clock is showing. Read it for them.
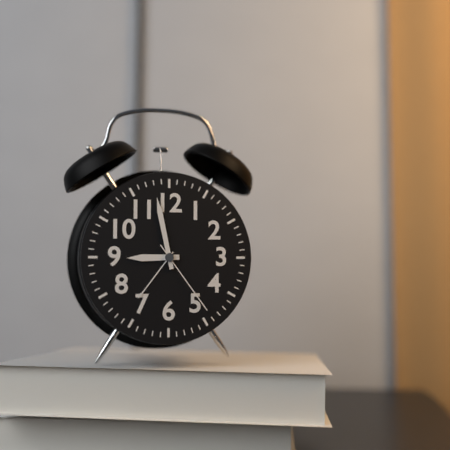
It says 8:58:24
